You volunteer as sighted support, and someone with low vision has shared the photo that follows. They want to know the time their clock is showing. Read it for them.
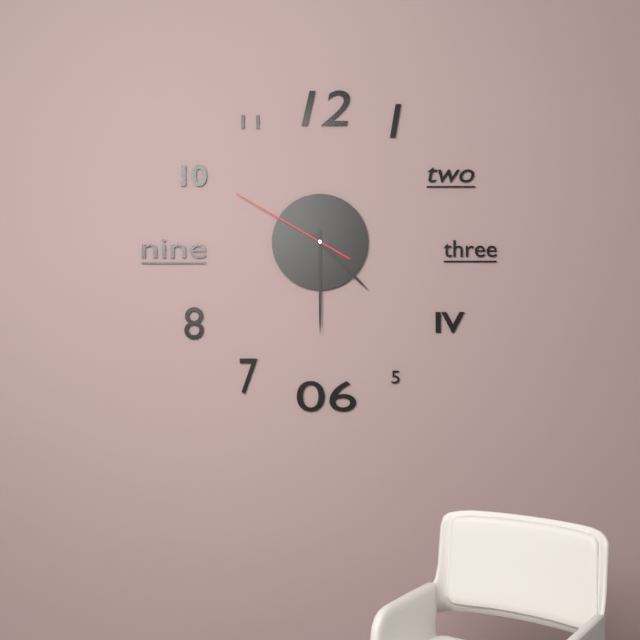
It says 4:30:50
